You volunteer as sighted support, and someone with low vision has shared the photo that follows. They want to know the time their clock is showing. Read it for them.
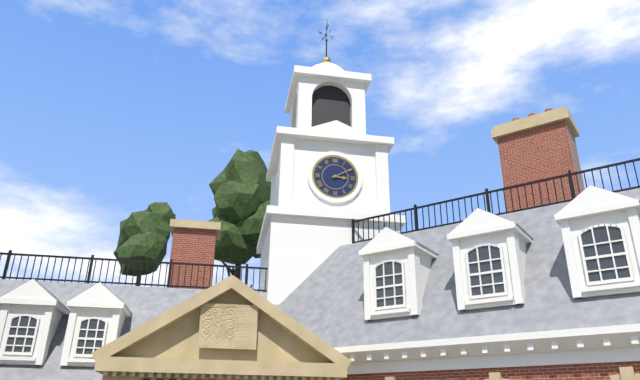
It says 3:10
